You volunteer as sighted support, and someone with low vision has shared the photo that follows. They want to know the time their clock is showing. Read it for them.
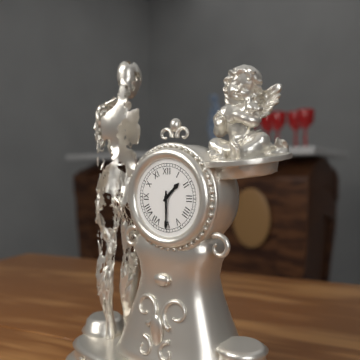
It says 1:30
